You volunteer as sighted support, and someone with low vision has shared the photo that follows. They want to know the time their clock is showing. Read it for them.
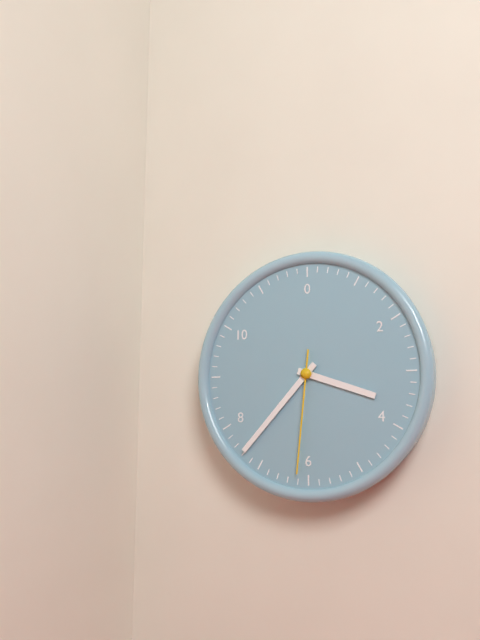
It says 3:37:31
